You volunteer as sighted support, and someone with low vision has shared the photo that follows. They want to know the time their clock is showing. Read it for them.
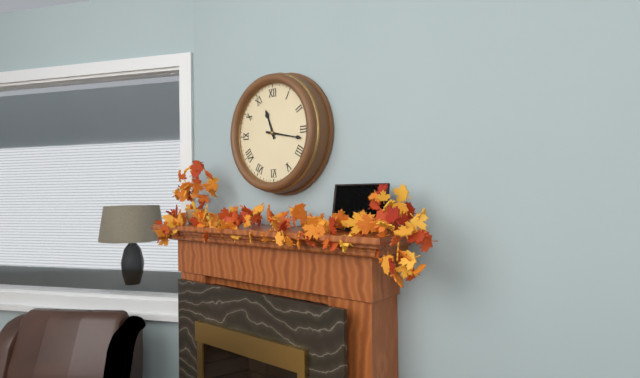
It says 11:17
